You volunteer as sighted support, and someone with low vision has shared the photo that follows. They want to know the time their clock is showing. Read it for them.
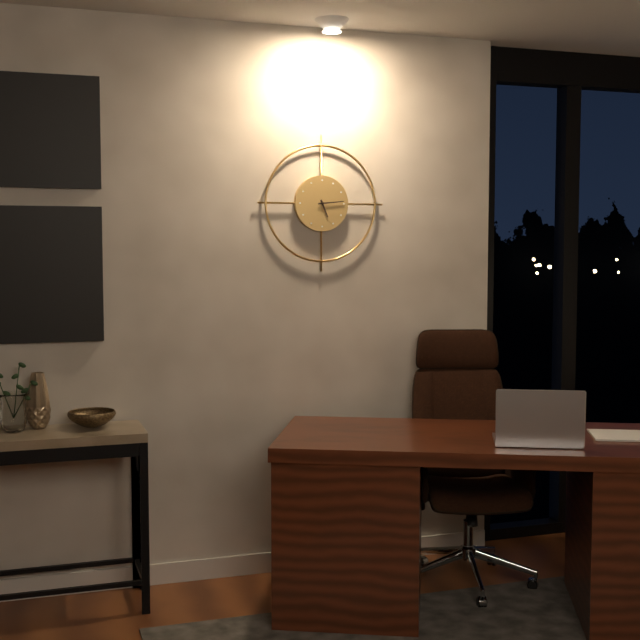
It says 5:14
